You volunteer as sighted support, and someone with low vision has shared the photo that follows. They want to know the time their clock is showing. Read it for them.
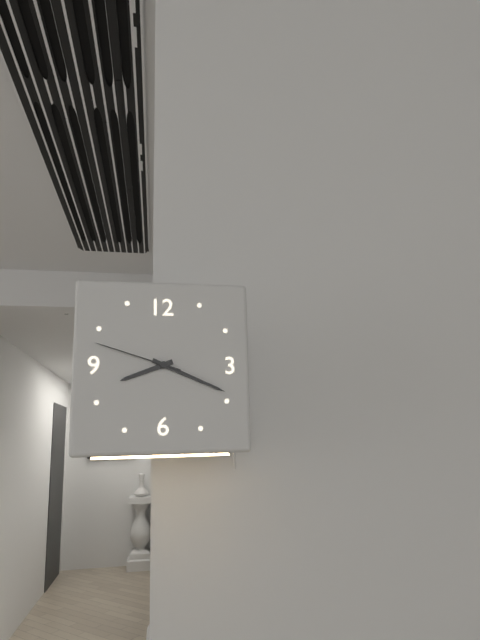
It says 8:19:48
